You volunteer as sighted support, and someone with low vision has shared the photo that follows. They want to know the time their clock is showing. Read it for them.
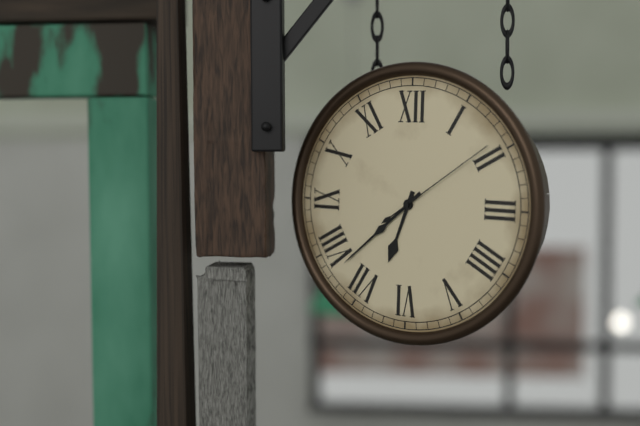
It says 6:38:09
